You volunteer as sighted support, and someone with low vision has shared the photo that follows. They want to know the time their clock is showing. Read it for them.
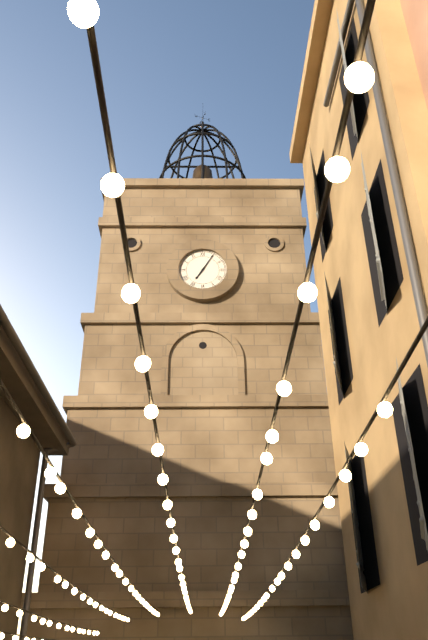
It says 7:05
